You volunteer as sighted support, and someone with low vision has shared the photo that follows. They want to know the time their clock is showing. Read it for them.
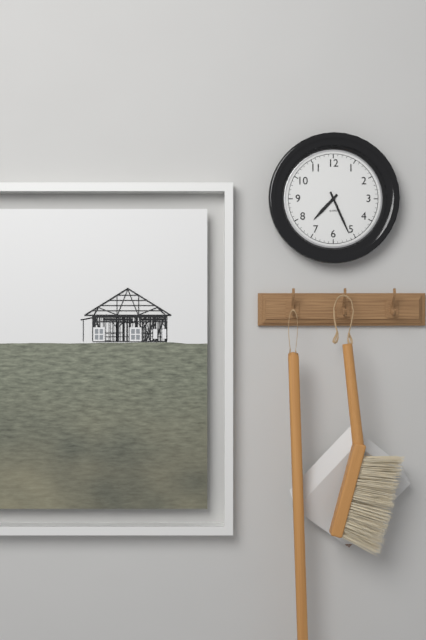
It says 7:26
